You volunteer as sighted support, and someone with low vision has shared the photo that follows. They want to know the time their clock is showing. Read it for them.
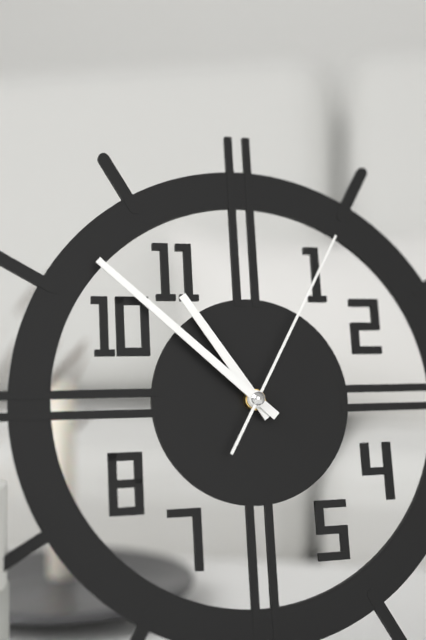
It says 10:52:05
